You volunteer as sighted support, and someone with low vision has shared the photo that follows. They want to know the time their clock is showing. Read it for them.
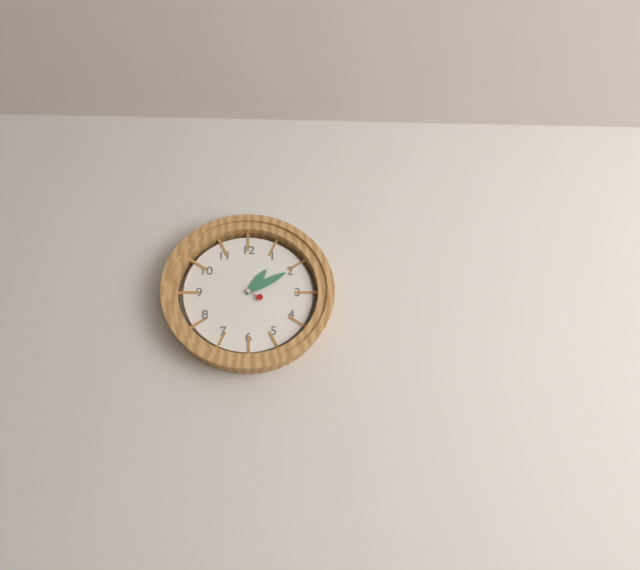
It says 1:10
